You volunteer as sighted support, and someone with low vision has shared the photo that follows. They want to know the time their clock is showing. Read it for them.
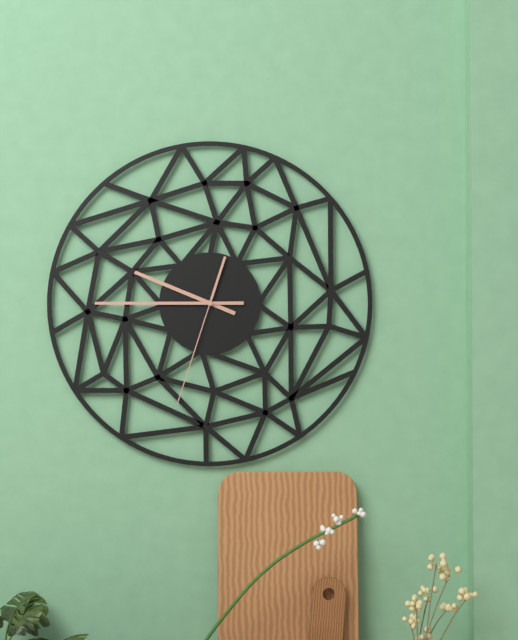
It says 9:45:33
